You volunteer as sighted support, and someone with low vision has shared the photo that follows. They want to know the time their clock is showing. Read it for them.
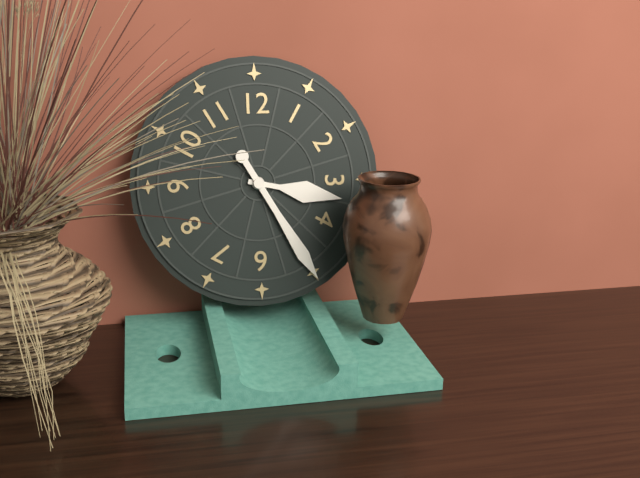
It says 3:25
